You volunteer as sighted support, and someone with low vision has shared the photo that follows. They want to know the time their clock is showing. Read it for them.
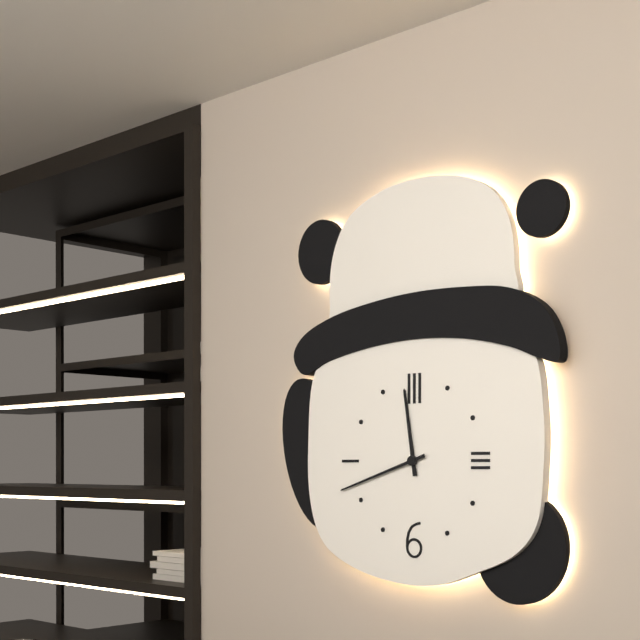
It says 11:42
